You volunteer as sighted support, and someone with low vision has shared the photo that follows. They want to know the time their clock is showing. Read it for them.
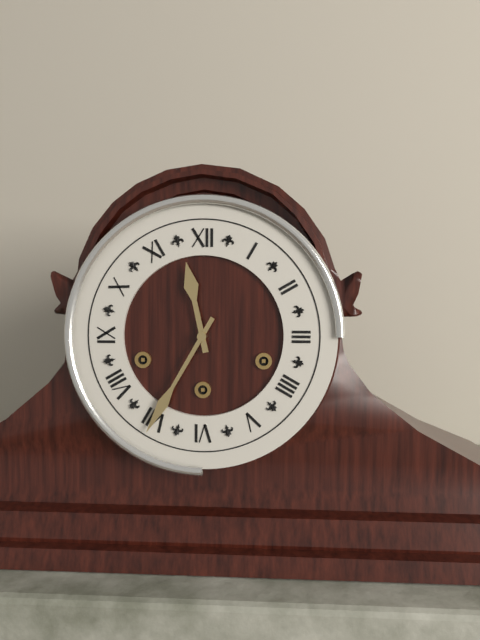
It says 11:35
